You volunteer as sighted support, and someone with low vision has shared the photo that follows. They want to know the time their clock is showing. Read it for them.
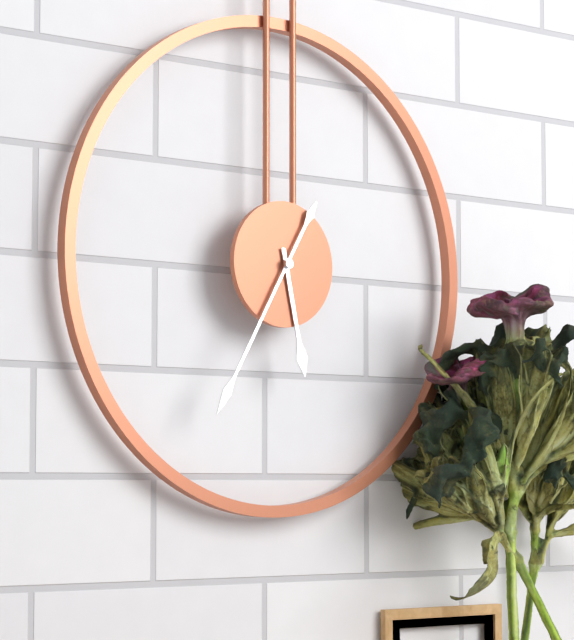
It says 5:35
